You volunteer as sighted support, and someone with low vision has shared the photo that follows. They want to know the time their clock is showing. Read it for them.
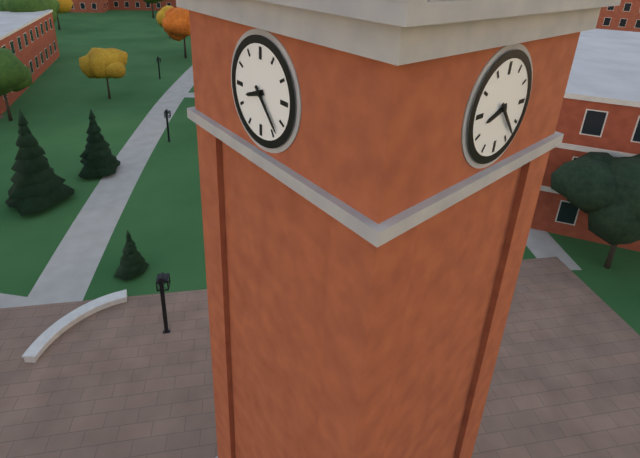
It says 8:23
